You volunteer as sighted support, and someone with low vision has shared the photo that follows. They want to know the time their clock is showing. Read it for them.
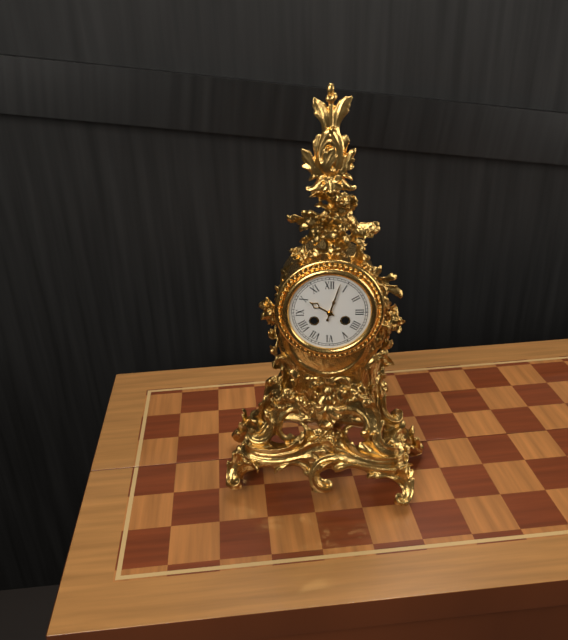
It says 10:03
